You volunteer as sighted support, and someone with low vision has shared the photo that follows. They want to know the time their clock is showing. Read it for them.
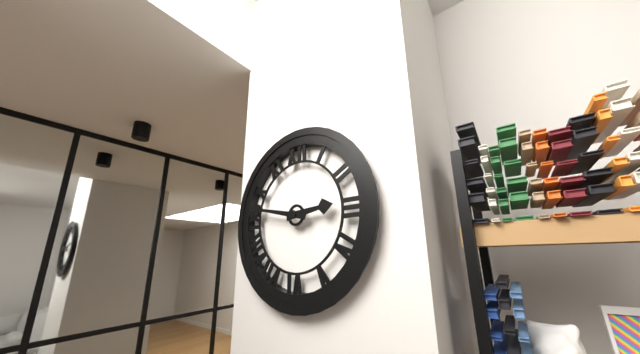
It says 2:47
